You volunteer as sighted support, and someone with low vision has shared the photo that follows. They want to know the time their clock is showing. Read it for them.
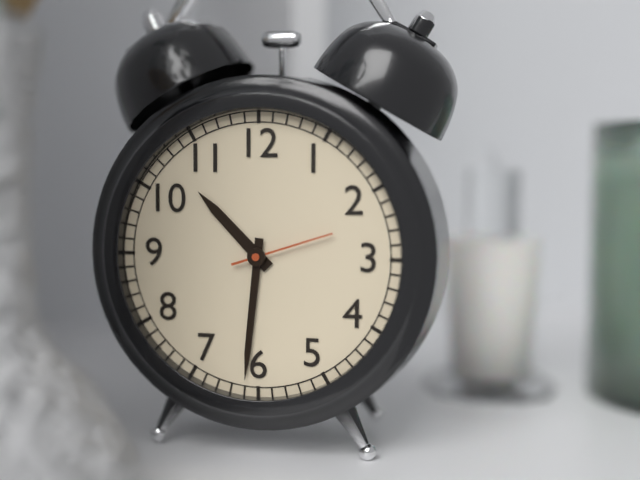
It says 10:31:12
